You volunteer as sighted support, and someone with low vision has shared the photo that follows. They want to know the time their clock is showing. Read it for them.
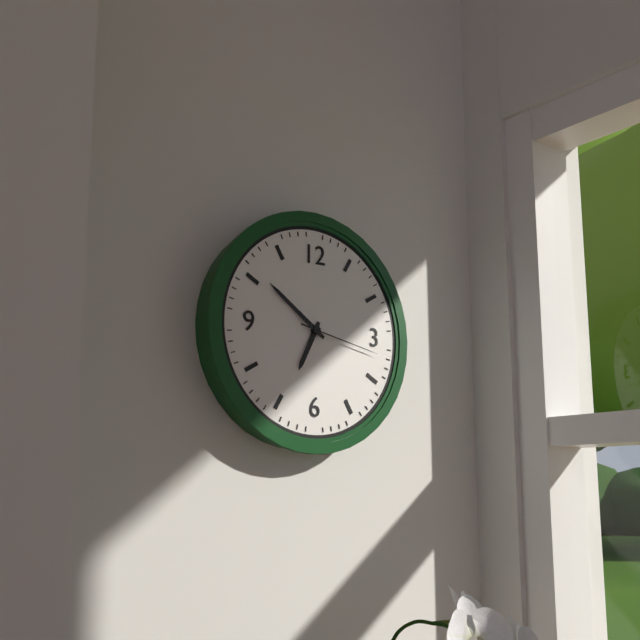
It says 6:51:17
